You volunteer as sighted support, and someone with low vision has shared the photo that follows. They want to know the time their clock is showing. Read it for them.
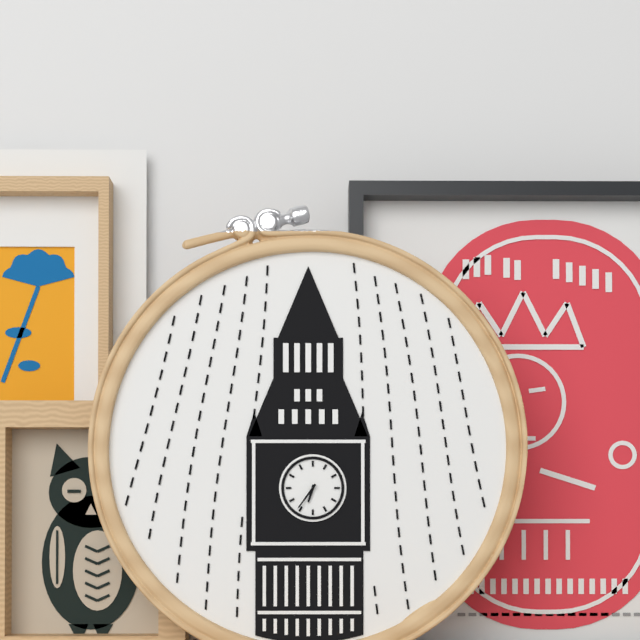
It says 6:36
